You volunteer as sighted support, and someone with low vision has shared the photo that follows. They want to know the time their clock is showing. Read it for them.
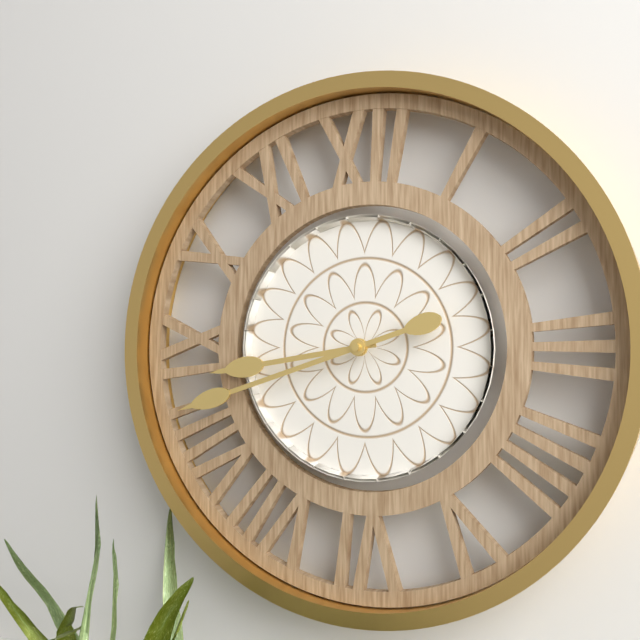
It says 8:42
